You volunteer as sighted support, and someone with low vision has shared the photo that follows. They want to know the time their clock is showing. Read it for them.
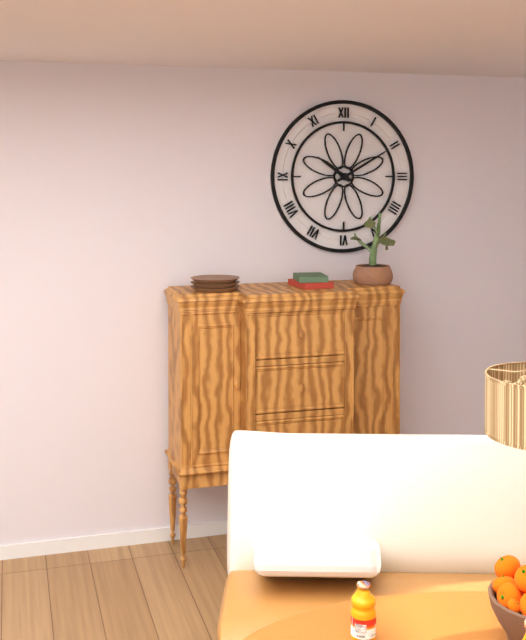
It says 10:10
